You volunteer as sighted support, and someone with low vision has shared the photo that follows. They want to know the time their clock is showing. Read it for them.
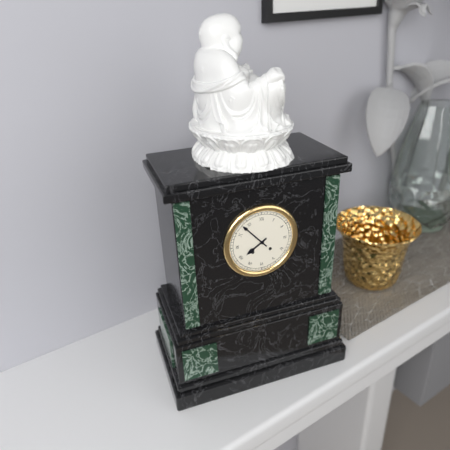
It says 7:53
